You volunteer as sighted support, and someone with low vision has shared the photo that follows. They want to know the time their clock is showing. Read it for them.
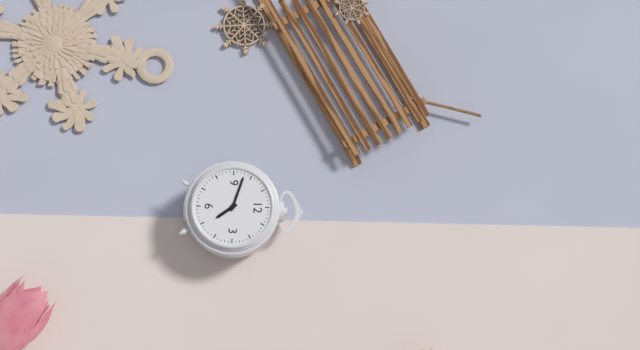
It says 4:48
